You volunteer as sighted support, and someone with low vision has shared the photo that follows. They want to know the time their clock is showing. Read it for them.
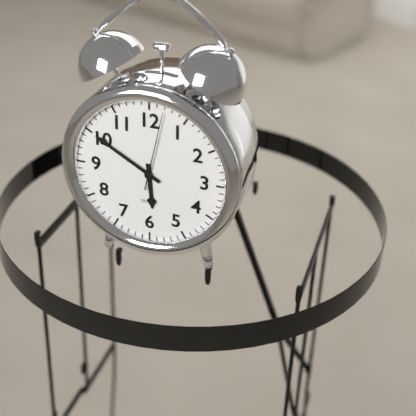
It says 5:50:02
